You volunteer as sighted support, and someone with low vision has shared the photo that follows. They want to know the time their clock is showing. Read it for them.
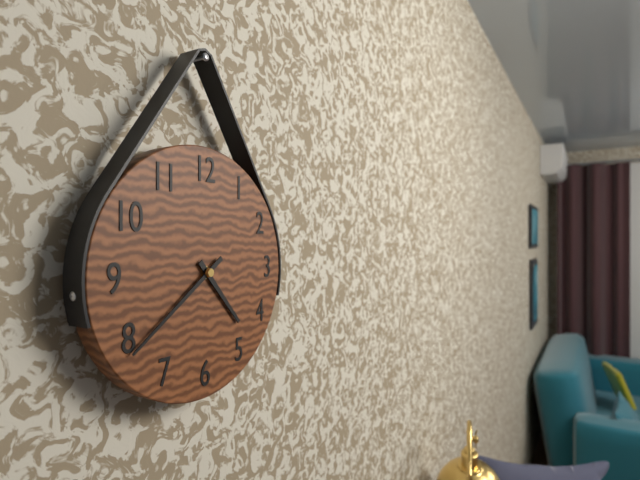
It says 4:39
